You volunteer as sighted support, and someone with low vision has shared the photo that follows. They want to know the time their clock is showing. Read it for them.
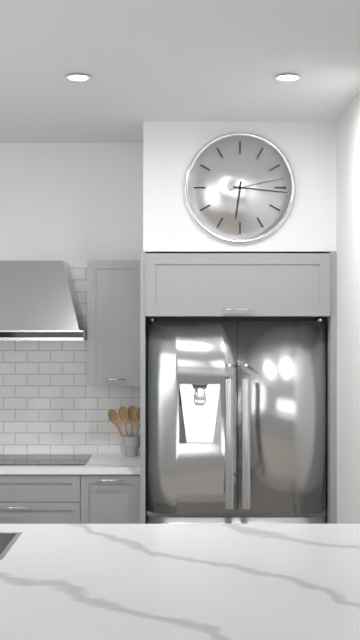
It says 6:16:13
